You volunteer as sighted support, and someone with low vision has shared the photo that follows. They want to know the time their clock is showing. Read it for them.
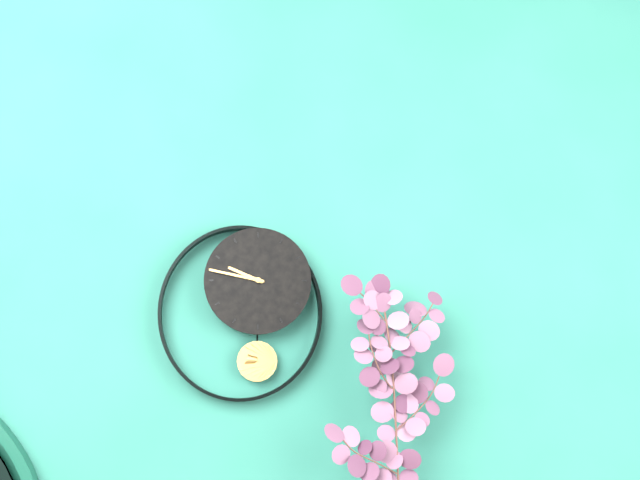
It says 9:47
